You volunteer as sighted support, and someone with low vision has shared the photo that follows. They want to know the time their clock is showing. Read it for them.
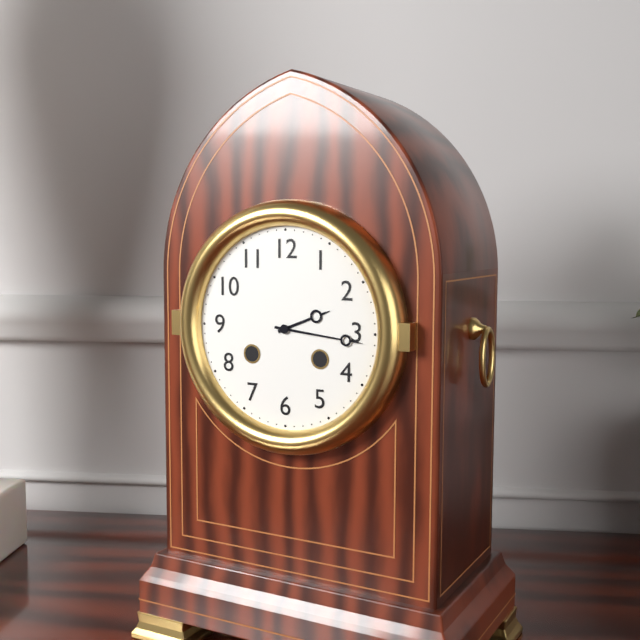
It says 2:16
